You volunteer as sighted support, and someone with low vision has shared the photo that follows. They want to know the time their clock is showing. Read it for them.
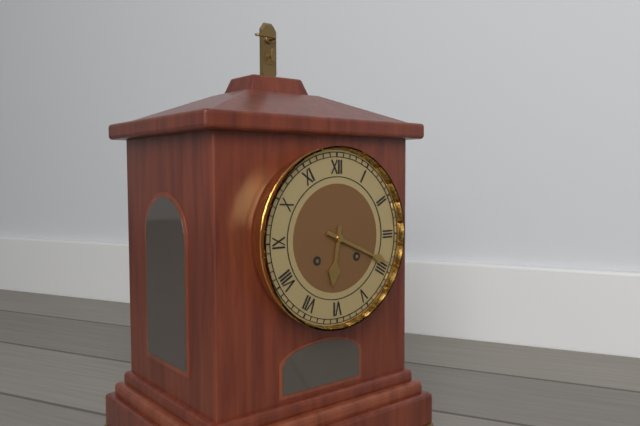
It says 6:19
